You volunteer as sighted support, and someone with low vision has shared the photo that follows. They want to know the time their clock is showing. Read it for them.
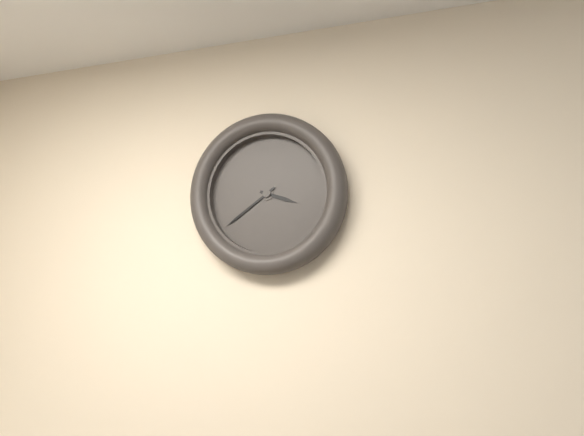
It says 3:39
